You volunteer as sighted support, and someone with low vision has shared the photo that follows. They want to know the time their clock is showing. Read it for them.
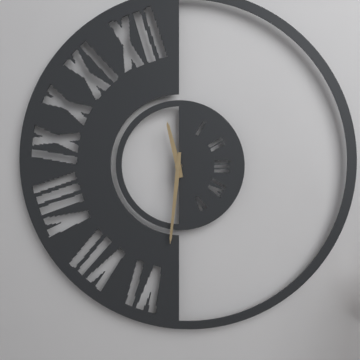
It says 11:31
